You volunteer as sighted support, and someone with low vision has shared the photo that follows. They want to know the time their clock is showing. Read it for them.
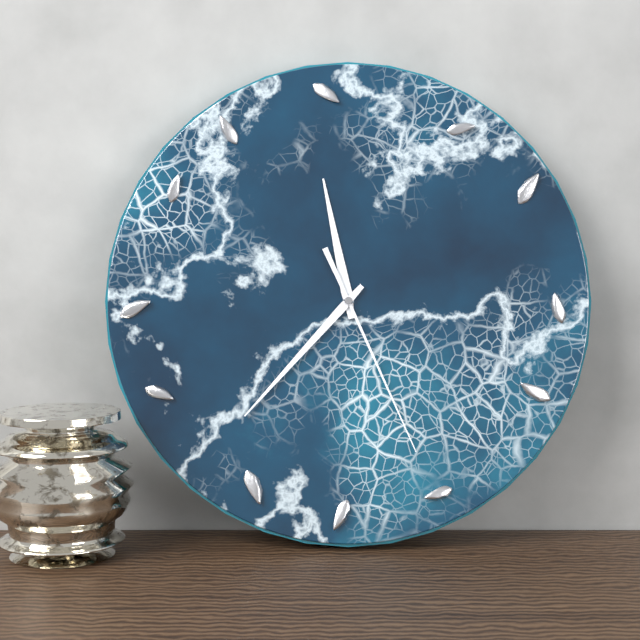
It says 11:37:26
